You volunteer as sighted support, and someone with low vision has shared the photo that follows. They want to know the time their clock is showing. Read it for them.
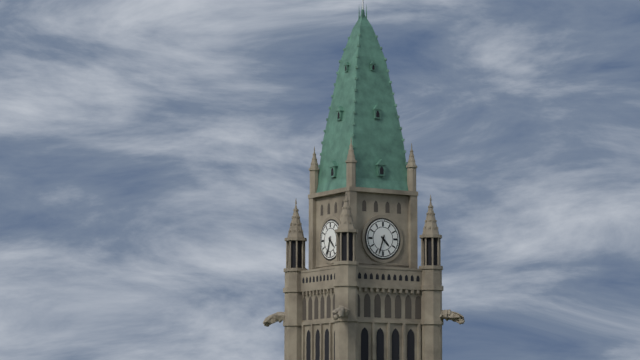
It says 4:33
